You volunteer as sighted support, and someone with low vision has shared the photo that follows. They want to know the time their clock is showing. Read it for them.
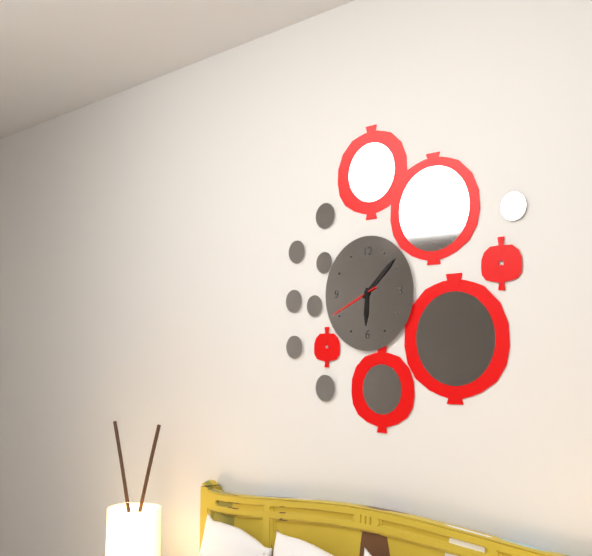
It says 6:08:41
